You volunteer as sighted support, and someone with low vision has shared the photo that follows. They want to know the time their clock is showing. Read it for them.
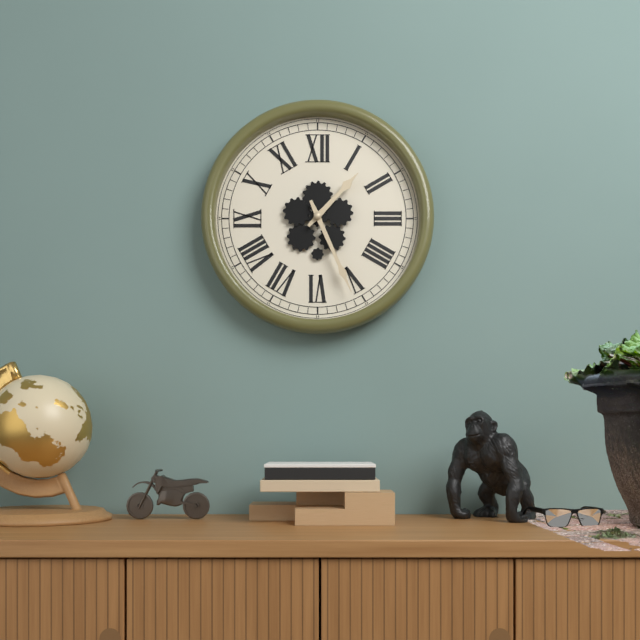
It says 1:26
